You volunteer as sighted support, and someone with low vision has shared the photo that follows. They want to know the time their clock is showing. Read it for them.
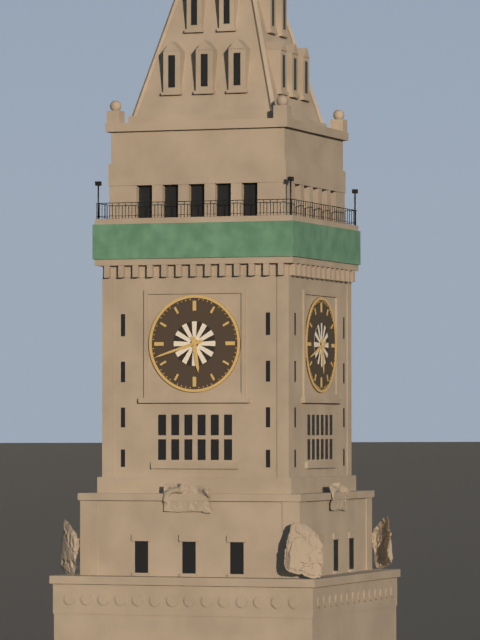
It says 5:42
